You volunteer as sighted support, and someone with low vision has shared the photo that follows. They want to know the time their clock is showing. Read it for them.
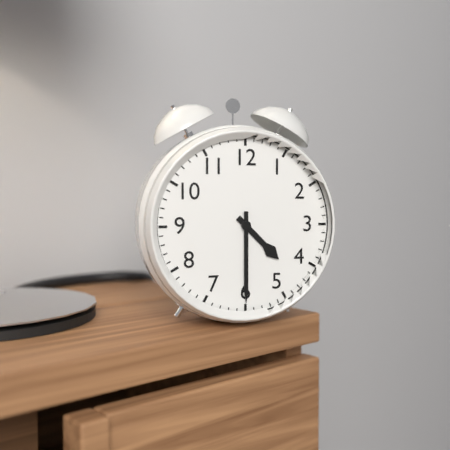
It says 4:30
